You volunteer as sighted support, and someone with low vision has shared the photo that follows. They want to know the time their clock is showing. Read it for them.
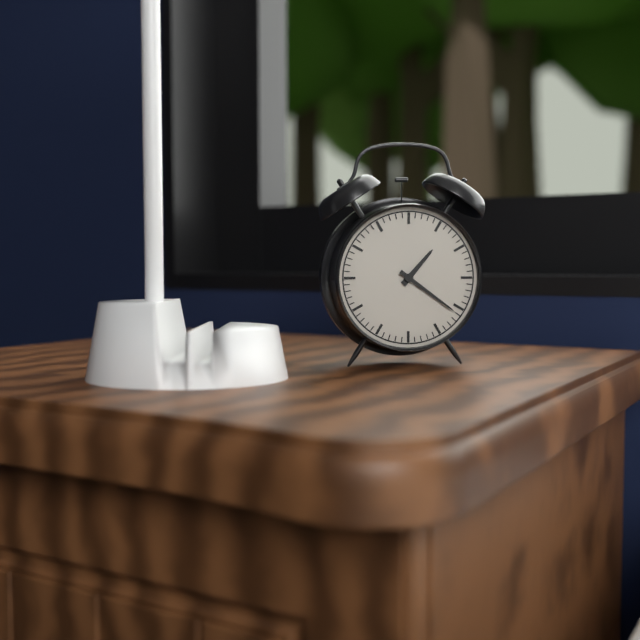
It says 1:21
